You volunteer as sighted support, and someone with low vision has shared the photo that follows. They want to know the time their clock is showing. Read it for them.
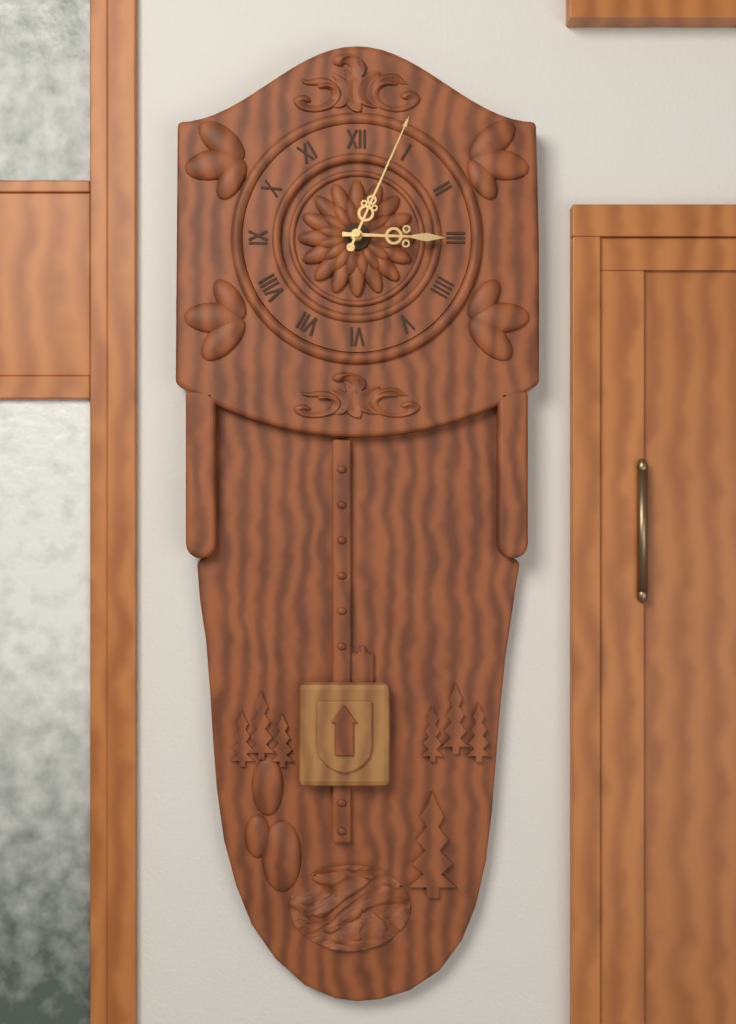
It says 3:04
